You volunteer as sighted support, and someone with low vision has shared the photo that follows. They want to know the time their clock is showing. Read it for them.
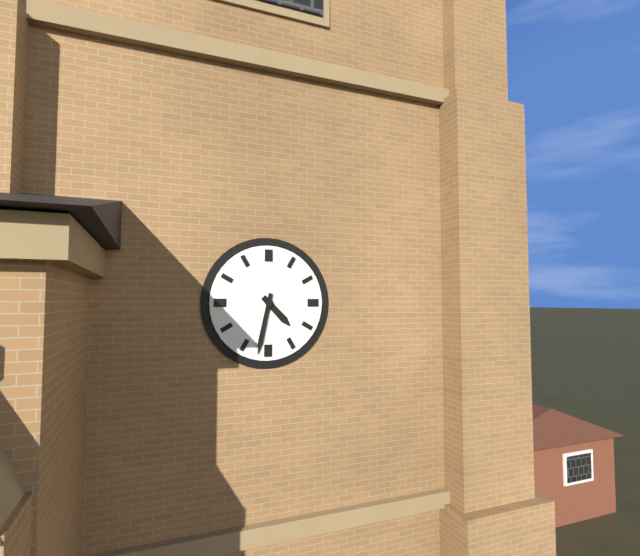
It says 4:32
